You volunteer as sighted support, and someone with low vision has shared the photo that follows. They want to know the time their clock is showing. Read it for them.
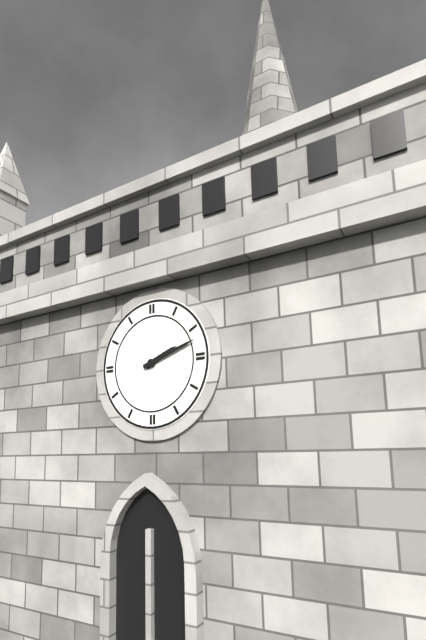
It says 2:12
